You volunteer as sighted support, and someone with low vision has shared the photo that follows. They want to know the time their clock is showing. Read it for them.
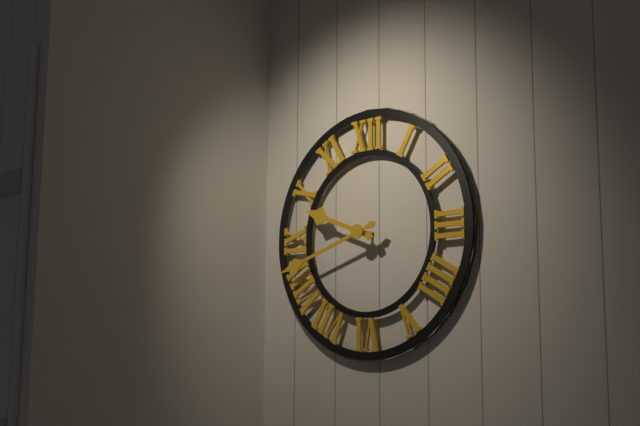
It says 9:42
